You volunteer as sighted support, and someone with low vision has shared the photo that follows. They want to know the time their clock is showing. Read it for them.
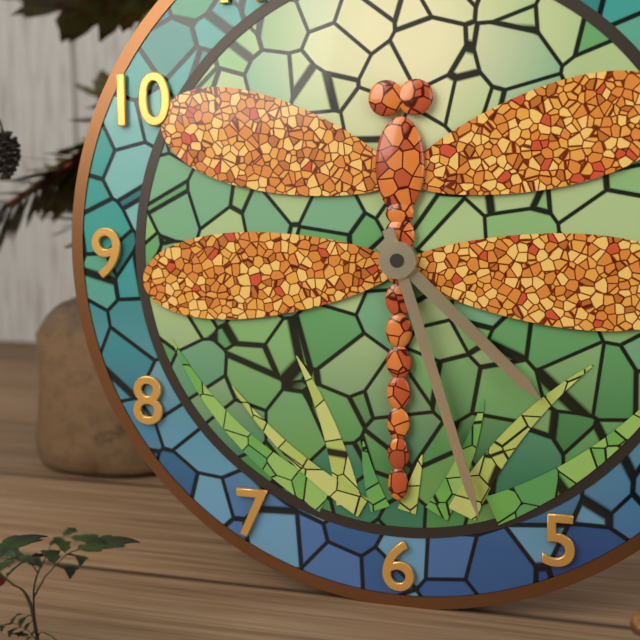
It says 4:27
